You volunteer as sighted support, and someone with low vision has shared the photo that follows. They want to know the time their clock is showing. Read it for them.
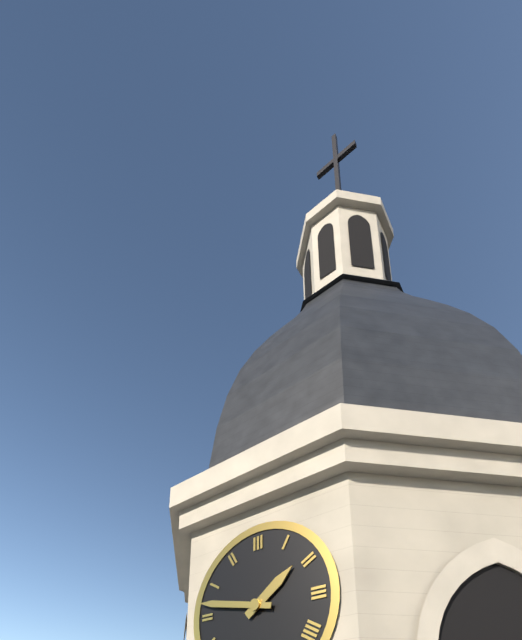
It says 1:47
